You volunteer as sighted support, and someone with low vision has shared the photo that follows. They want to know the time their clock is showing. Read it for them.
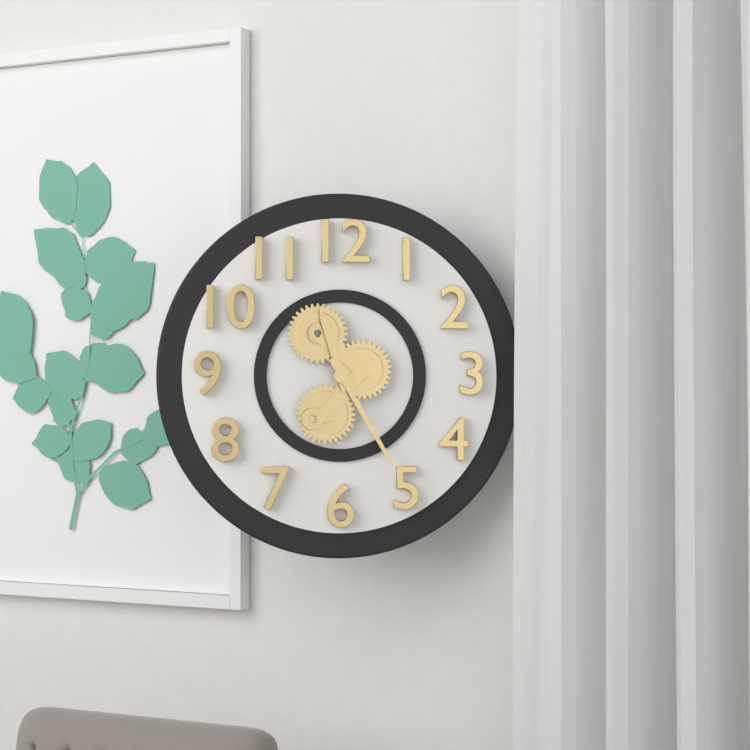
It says 11:25
